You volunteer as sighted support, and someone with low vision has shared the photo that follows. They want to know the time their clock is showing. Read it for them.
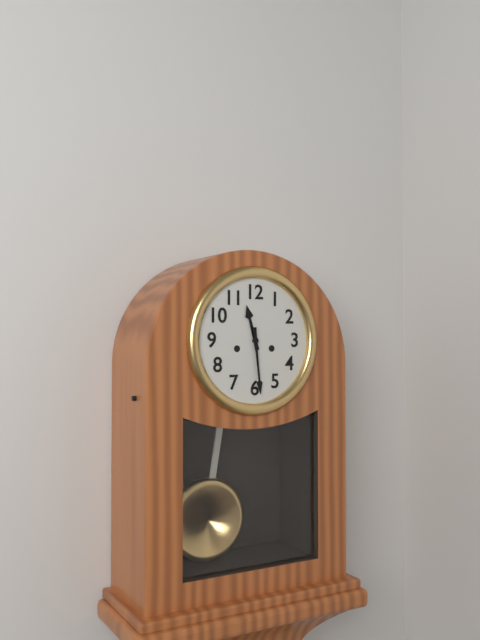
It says 11:29
